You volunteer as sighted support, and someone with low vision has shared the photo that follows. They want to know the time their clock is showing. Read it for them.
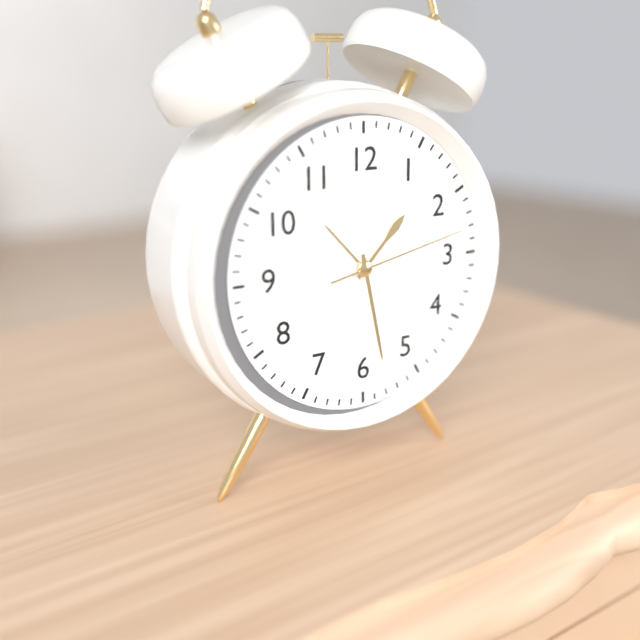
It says 1:28:13
